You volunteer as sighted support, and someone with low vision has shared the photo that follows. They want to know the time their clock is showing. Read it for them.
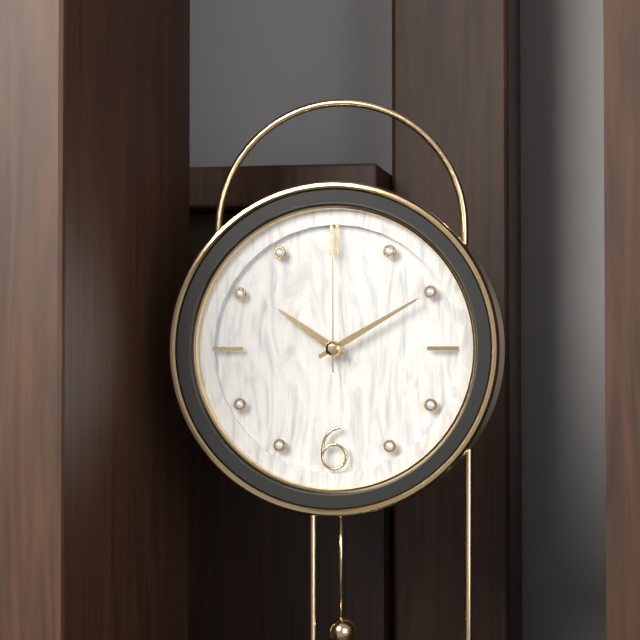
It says 10:10:00
